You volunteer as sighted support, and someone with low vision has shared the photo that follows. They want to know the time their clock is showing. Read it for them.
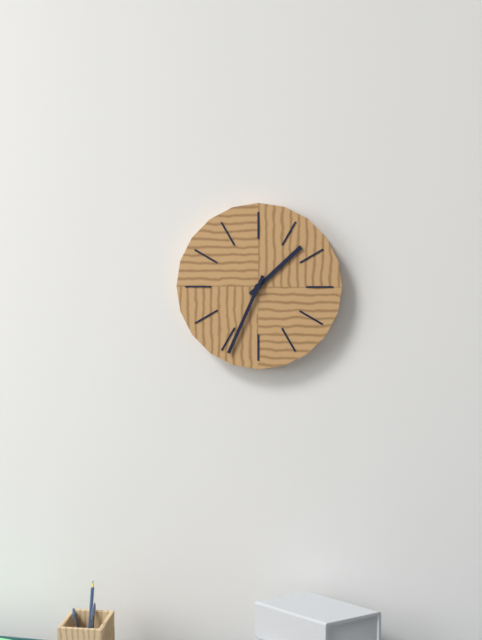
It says 1:34
